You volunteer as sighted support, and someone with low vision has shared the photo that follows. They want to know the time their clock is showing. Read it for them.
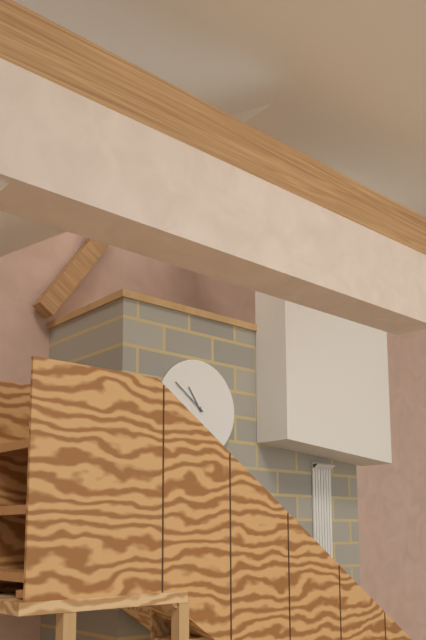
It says 10:51
